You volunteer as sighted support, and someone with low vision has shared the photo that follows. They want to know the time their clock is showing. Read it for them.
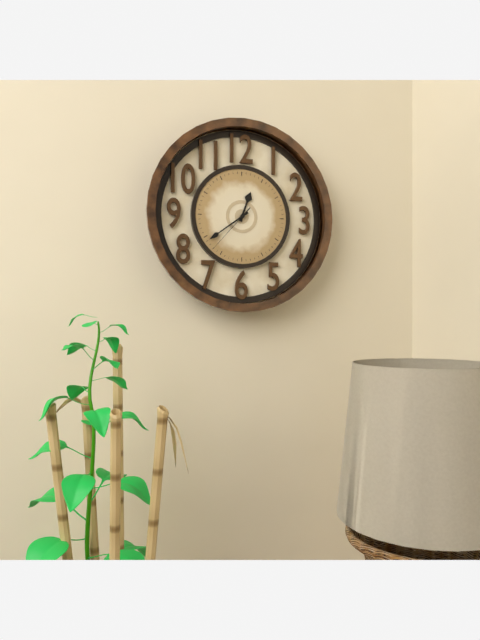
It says 12:39:37
